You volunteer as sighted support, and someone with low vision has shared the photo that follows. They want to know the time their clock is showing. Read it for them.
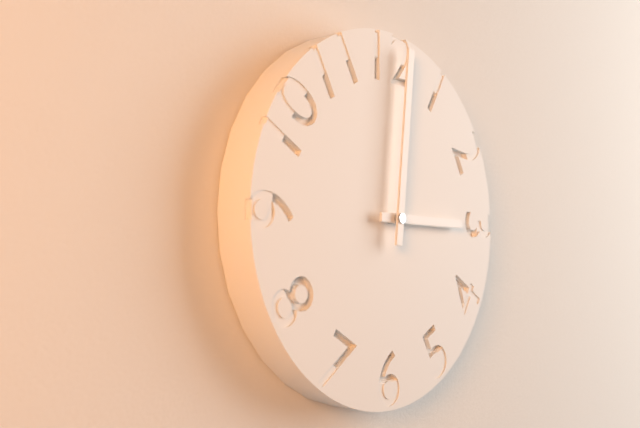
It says 3:01
